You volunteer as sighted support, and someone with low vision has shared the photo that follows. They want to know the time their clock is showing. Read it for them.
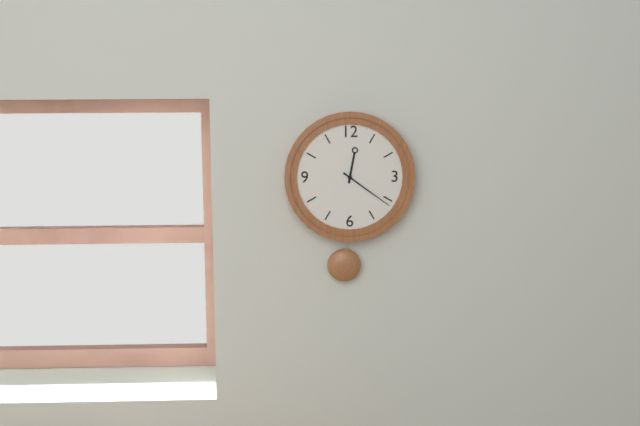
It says 12:21
